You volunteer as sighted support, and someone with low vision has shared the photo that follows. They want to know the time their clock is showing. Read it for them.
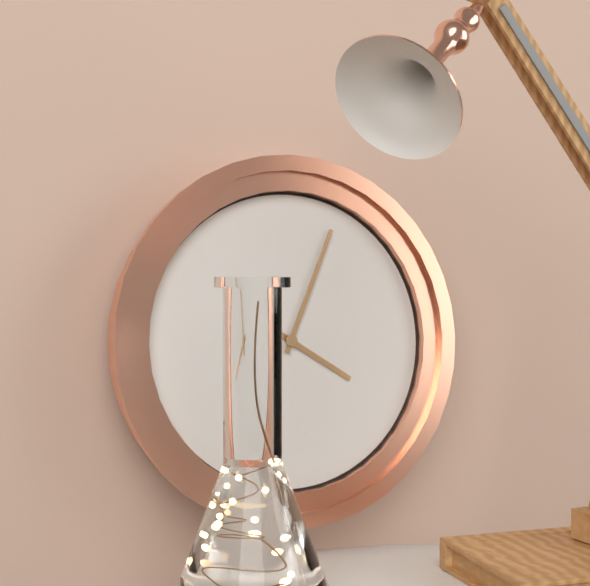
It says 4:04
